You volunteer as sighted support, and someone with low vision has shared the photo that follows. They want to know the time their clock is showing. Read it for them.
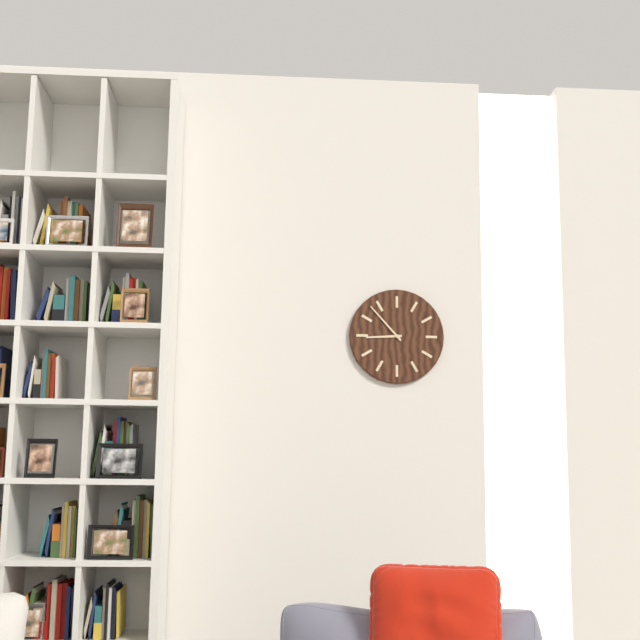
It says 8:53
